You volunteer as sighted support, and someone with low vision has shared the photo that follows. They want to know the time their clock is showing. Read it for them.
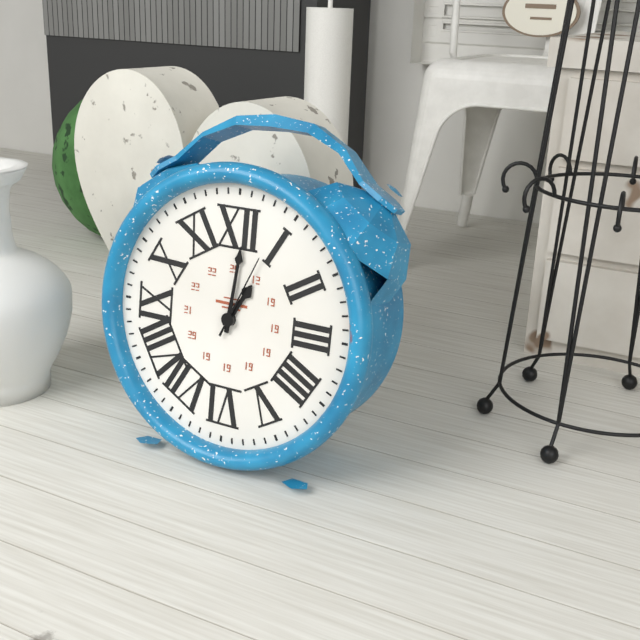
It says 1:01:04
